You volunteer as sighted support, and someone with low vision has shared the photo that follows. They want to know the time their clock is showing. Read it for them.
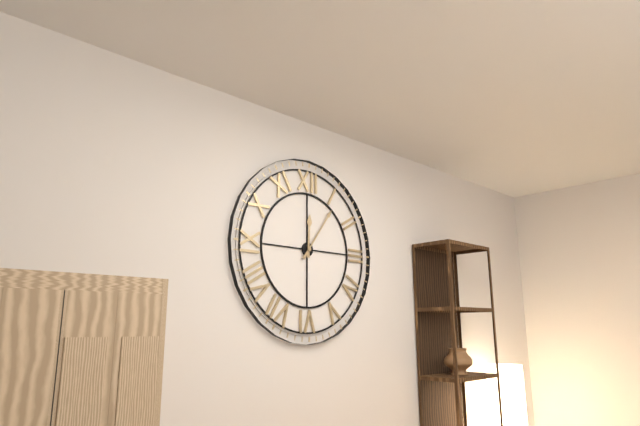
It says 12:06
